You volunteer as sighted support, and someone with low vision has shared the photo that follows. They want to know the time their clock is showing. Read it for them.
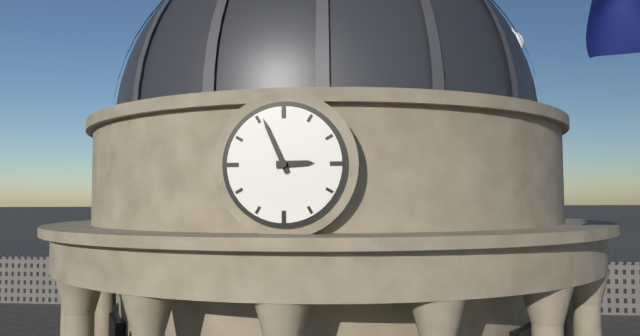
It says 2:56
